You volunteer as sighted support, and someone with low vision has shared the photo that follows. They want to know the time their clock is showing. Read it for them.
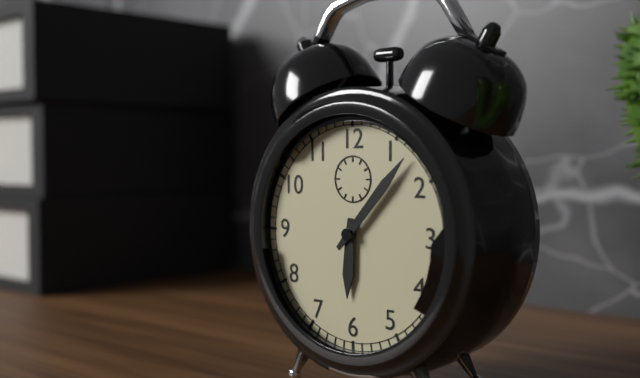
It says 6:07
